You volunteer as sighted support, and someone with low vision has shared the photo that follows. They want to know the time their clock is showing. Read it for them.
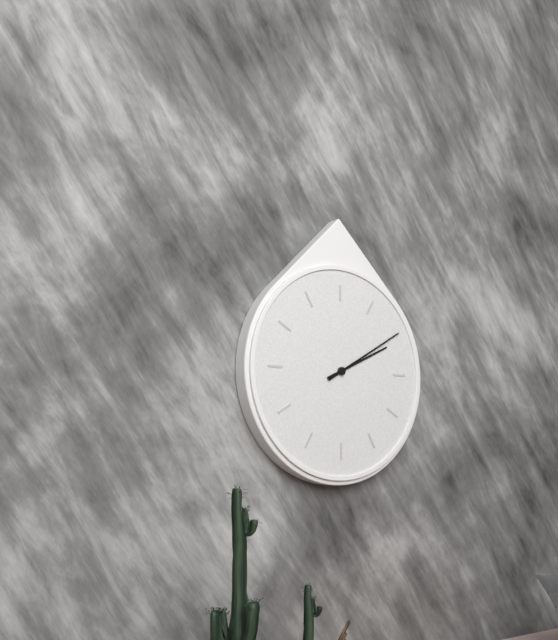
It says 2:10
